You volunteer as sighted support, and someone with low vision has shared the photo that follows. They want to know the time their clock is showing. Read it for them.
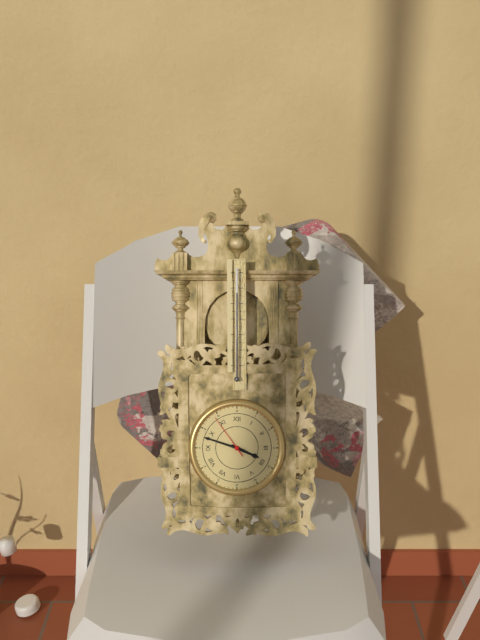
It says 3:48
